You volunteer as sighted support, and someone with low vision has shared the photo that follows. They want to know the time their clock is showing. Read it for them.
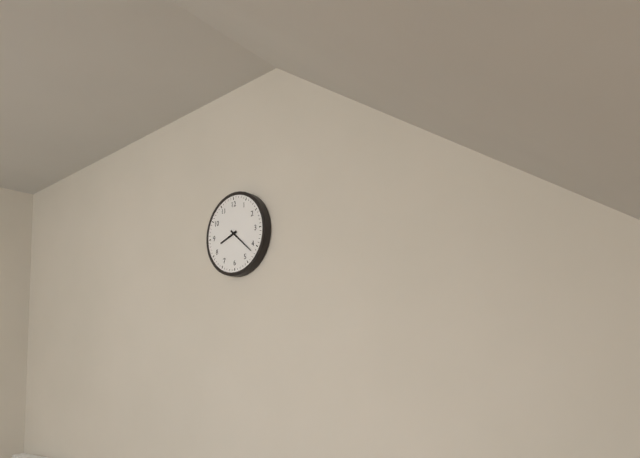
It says 8:22
